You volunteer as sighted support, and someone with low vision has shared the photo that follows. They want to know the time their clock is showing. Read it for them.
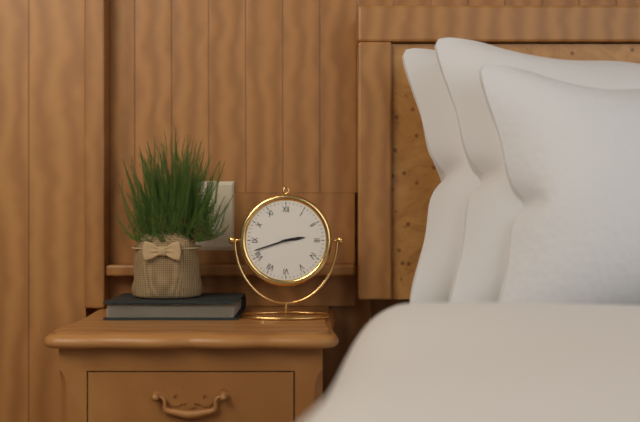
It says 2:42
